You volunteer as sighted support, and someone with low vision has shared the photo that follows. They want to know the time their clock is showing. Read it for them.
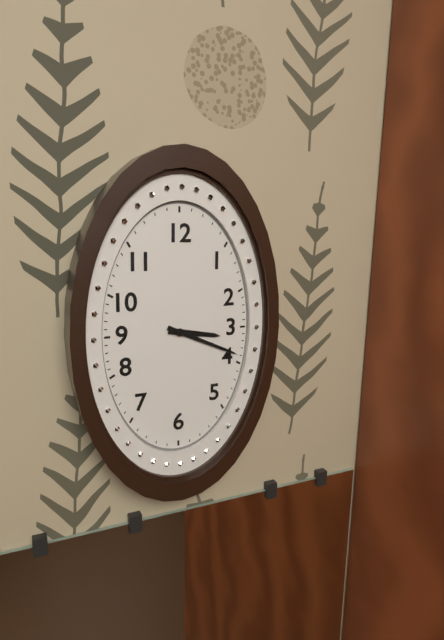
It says 3:19
